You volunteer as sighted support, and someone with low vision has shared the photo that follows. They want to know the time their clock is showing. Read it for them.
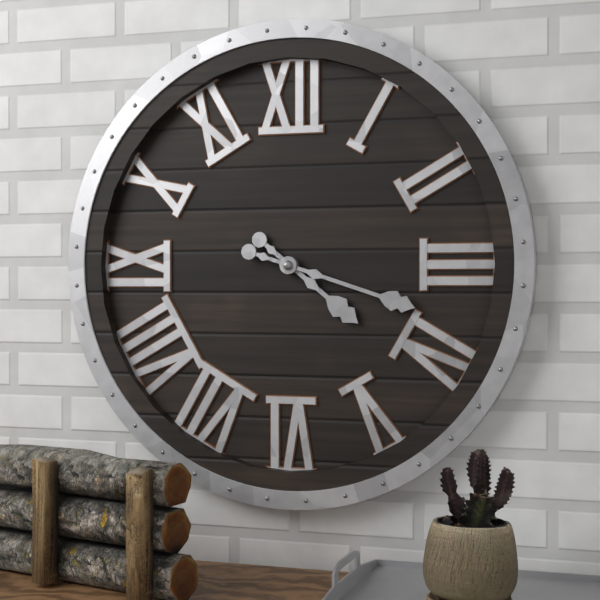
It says 4:18
